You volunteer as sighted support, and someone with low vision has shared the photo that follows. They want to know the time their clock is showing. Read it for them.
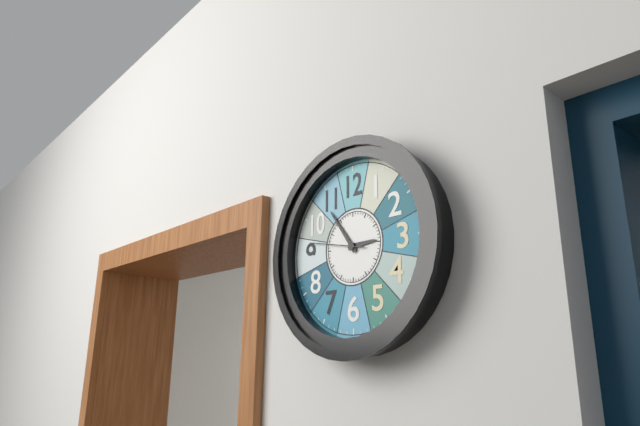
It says 2:54:47
